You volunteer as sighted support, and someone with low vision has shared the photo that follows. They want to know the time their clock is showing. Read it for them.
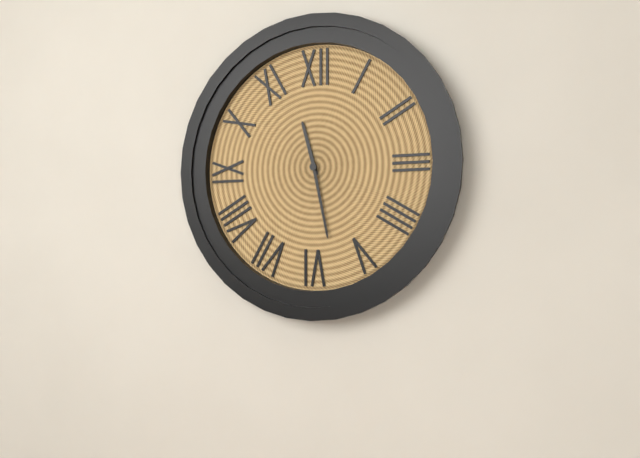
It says 11:28
